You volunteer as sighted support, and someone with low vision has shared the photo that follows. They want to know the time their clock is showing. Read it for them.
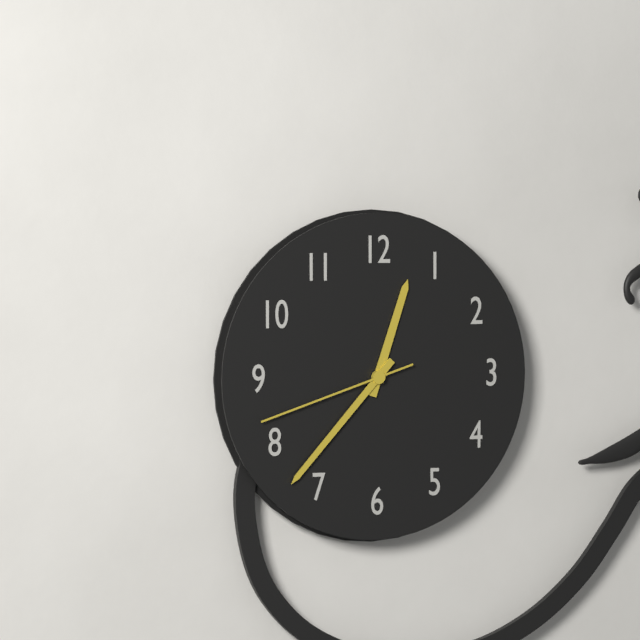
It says 12:37:42
